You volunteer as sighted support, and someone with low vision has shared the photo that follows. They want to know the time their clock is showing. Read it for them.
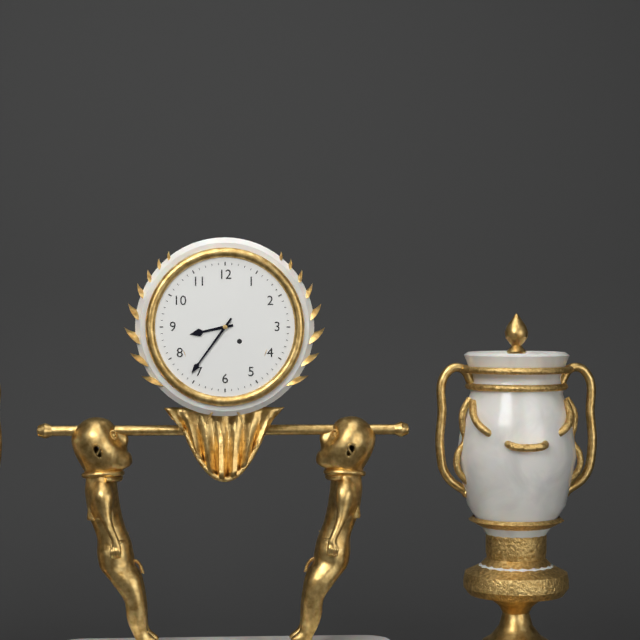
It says 8:36
